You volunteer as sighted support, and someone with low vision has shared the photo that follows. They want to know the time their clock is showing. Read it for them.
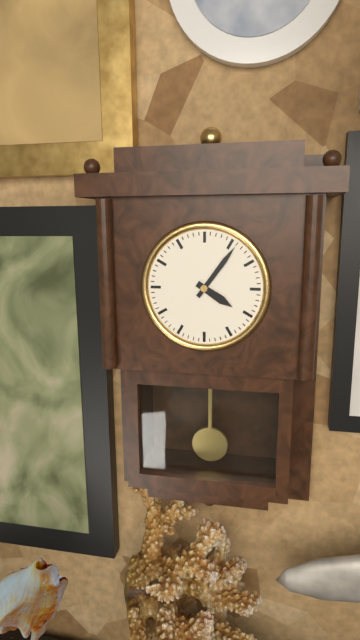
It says 4:06
